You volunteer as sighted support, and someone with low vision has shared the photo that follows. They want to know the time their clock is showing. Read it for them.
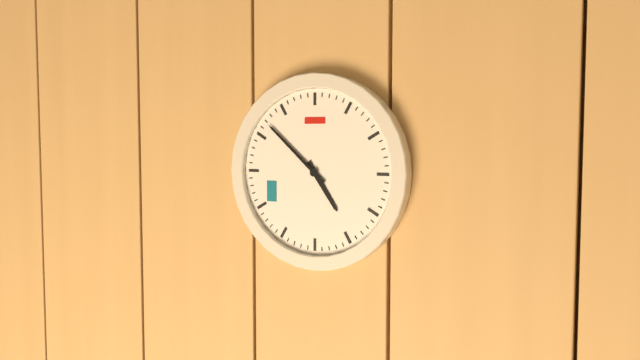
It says 4:52
